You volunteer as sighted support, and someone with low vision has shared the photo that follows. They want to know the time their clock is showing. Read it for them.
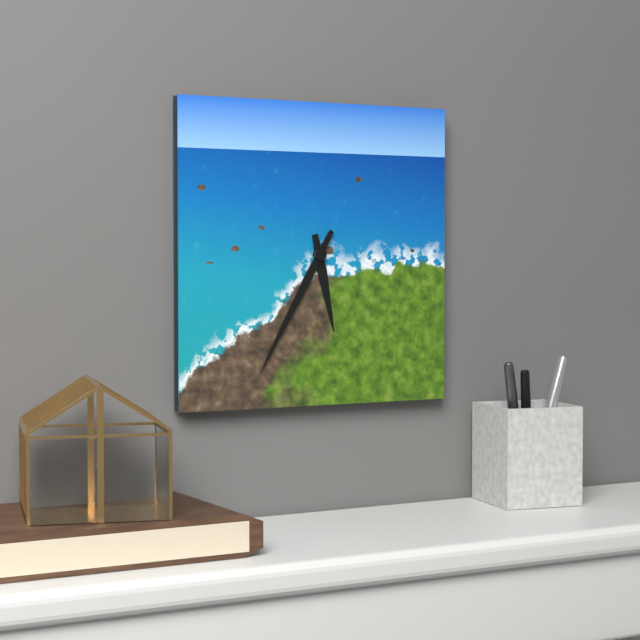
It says 5:35
